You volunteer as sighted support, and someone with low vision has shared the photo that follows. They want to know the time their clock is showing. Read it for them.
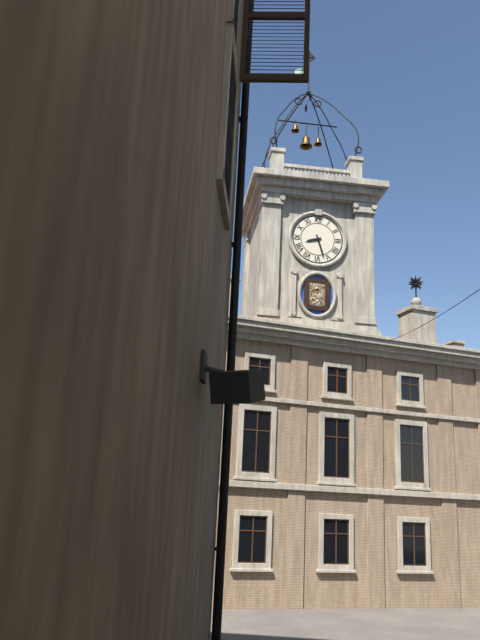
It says 8:27
